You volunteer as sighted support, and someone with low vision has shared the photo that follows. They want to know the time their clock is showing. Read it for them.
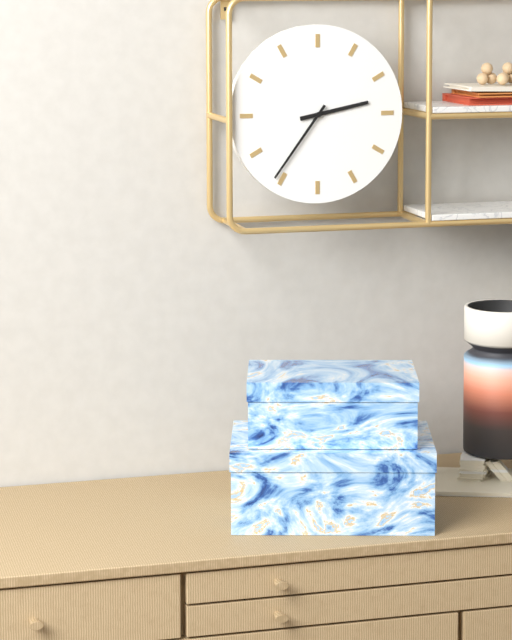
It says 2:36
